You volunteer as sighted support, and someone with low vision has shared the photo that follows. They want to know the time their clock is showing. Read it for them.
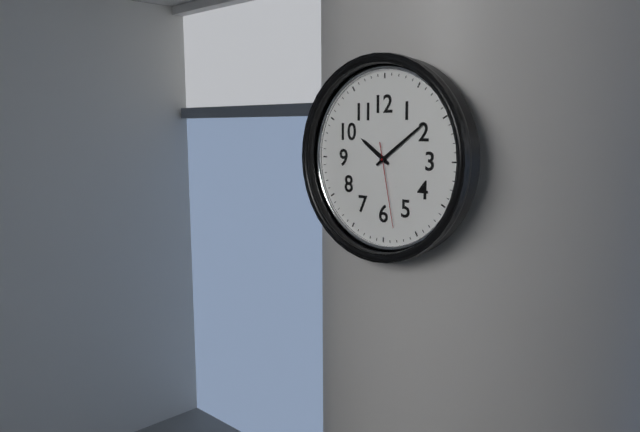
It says 10:09:28
